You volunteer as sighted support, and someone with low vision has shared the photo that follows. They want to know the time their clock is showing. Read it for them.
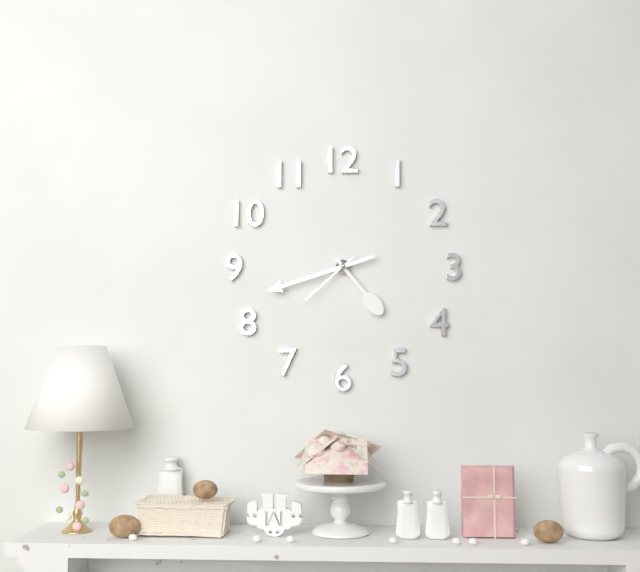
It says 4:42:38
